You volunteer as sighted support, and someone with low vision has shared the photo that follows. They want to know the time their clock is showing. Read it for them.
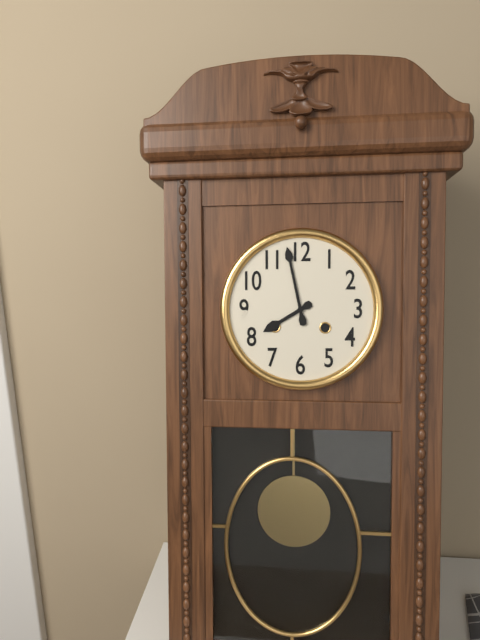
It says 7:58
